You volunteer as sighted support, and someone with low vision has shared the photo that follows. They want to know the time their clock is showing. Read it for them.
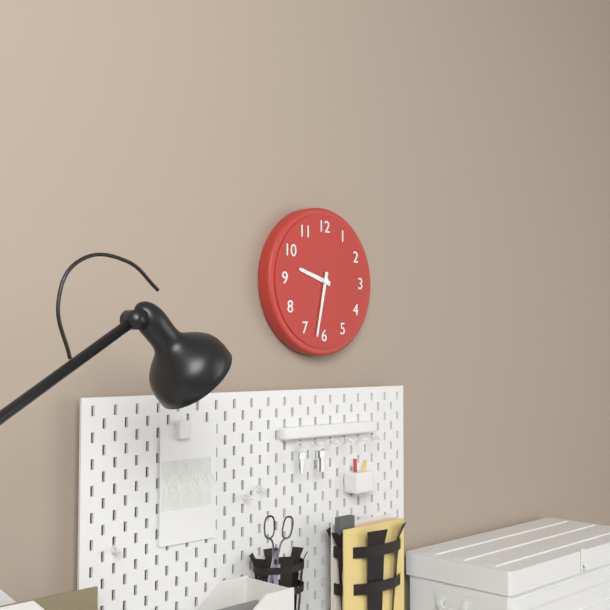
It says 9:32
